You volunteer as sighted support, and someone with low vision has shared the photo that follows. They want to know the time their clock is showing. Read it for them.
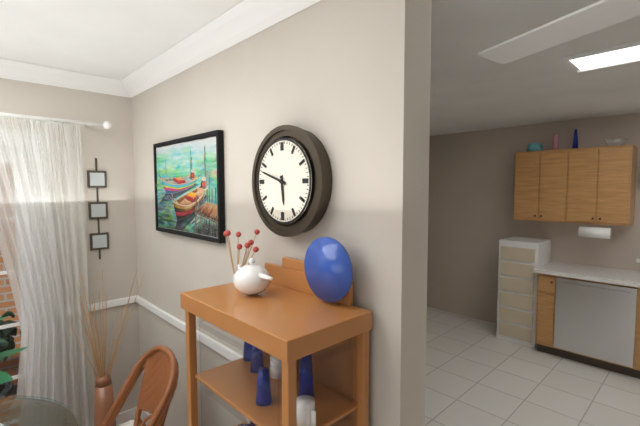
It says 5:48
